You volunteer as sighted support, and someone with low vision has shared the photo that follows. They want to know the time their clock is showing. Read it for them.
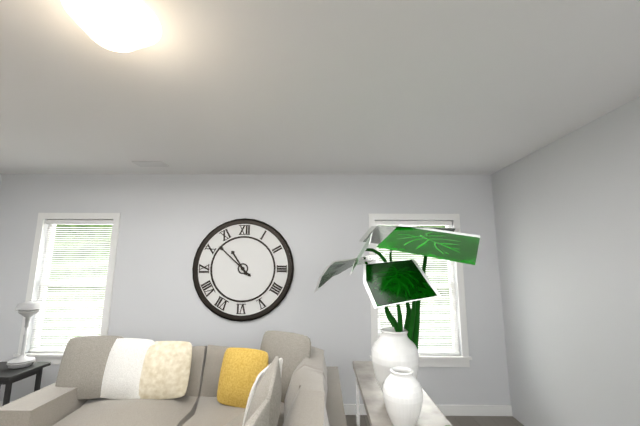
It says 10:52
